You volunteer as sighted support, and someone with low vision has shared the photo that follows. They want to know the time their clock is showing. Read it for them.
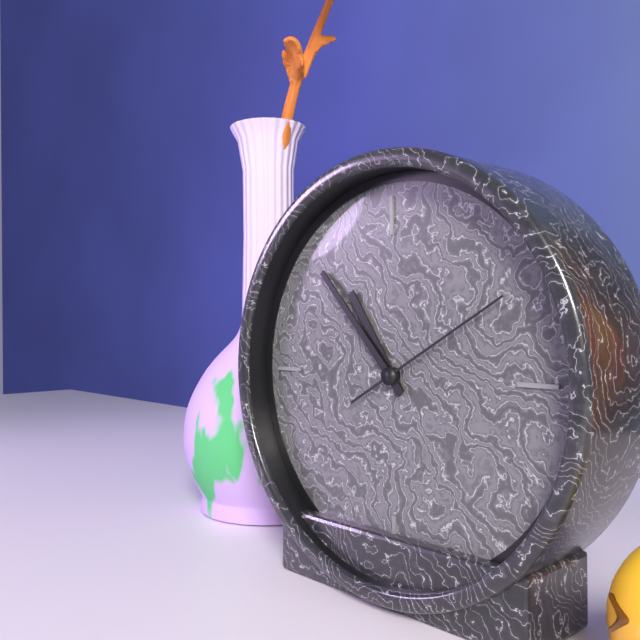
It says 10:53:10
